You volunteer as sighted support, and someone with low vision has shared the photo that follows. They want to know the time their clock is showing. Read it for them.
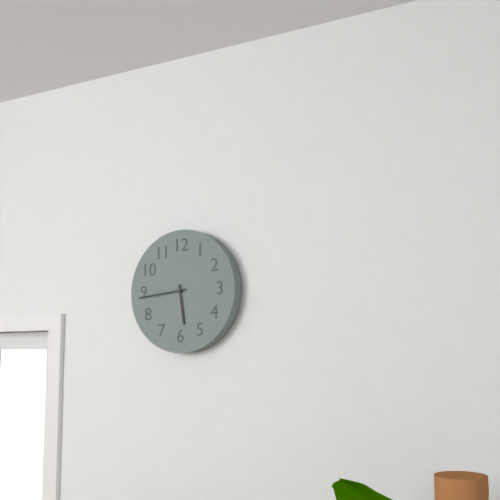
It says 5:44
